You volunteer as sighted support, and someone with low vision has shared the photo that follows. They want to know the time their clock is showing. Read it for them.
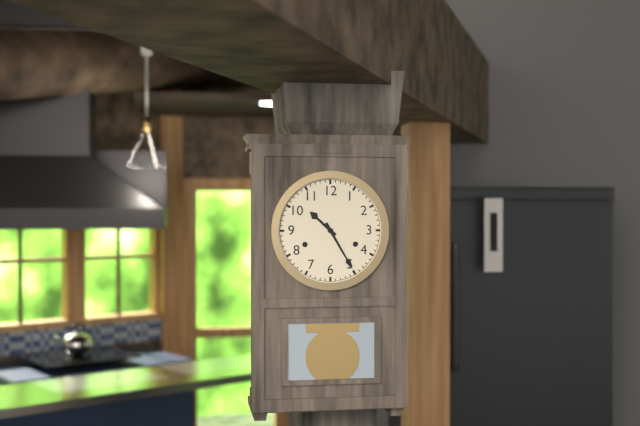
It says 10:25
